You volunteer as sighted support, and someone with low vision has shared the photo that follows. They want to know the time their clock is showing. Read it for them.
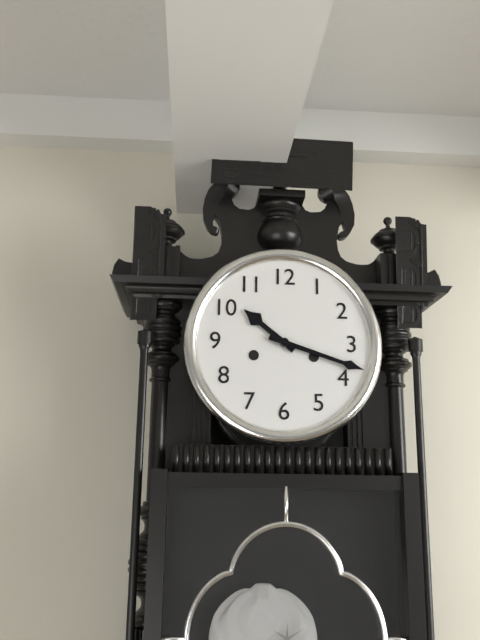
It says 10:18
